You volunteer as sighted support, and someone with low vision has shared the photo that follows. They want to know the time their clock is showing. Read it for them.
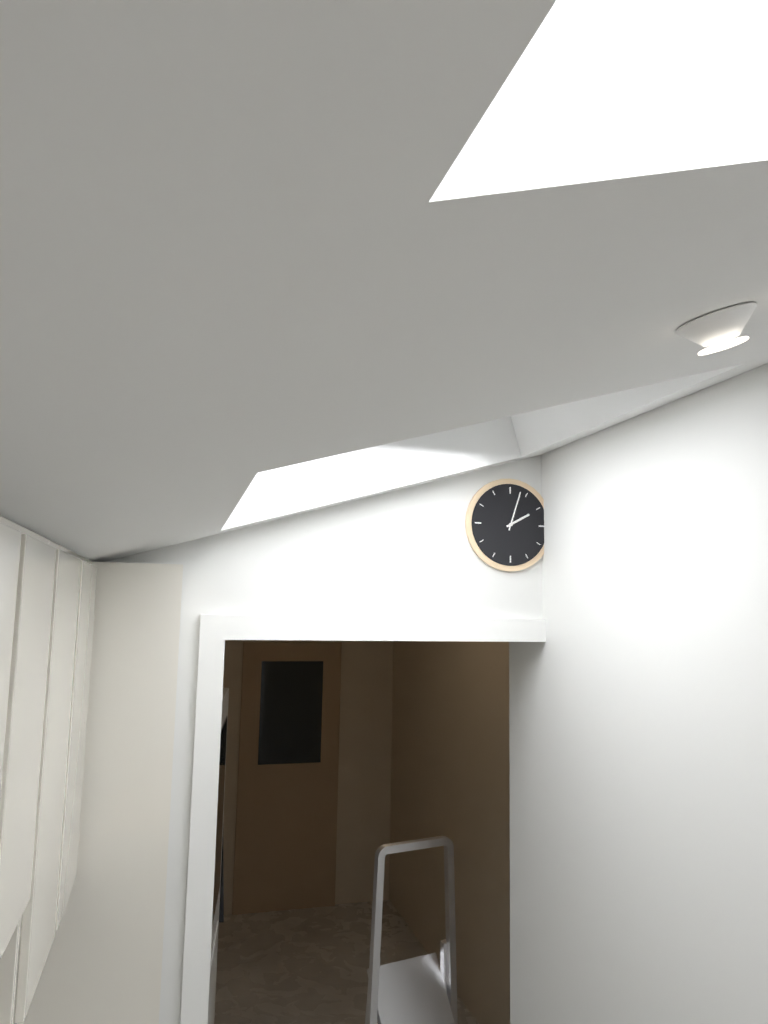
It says 2:03
